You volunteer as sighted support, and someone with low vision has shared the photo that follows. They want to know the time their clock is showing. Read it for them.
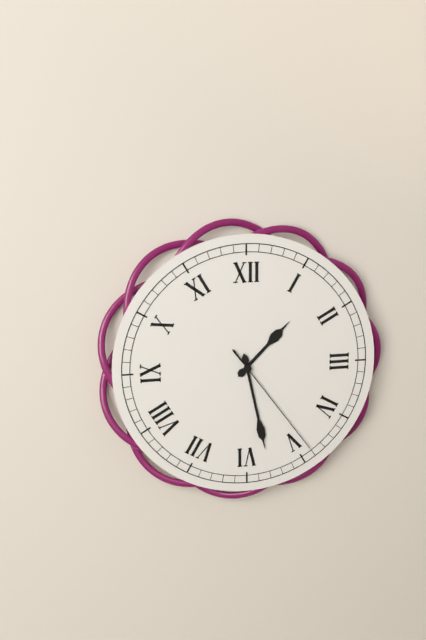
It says 1:28:24
